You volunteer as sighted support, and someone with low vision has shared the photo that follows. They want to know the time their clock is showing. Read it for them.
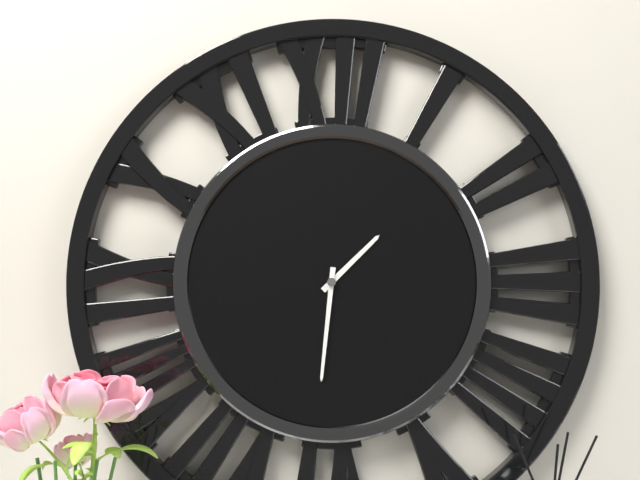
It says 1:31
